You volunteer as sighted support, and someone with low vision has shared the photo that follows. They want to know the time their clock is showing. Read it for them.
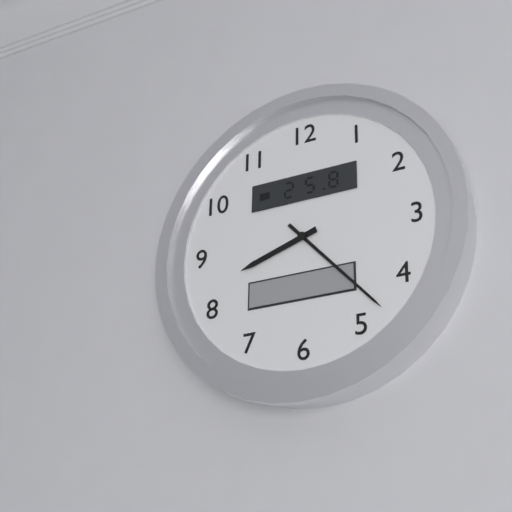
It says 8:23
